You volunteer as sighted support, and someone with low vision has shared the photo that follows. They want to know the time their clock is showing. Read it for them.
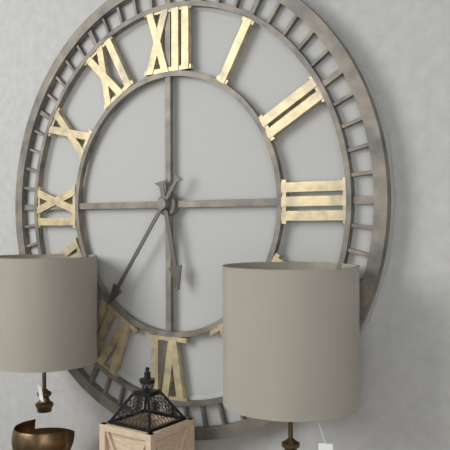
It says 5:36
